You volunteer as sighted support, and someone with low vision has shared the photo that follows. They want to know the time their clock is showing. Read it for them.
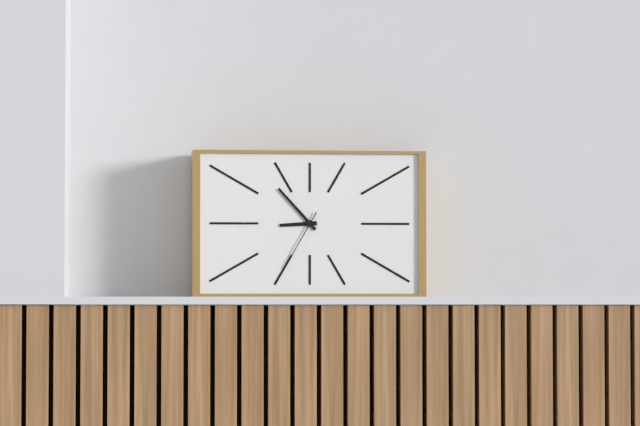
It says 8:53:35
